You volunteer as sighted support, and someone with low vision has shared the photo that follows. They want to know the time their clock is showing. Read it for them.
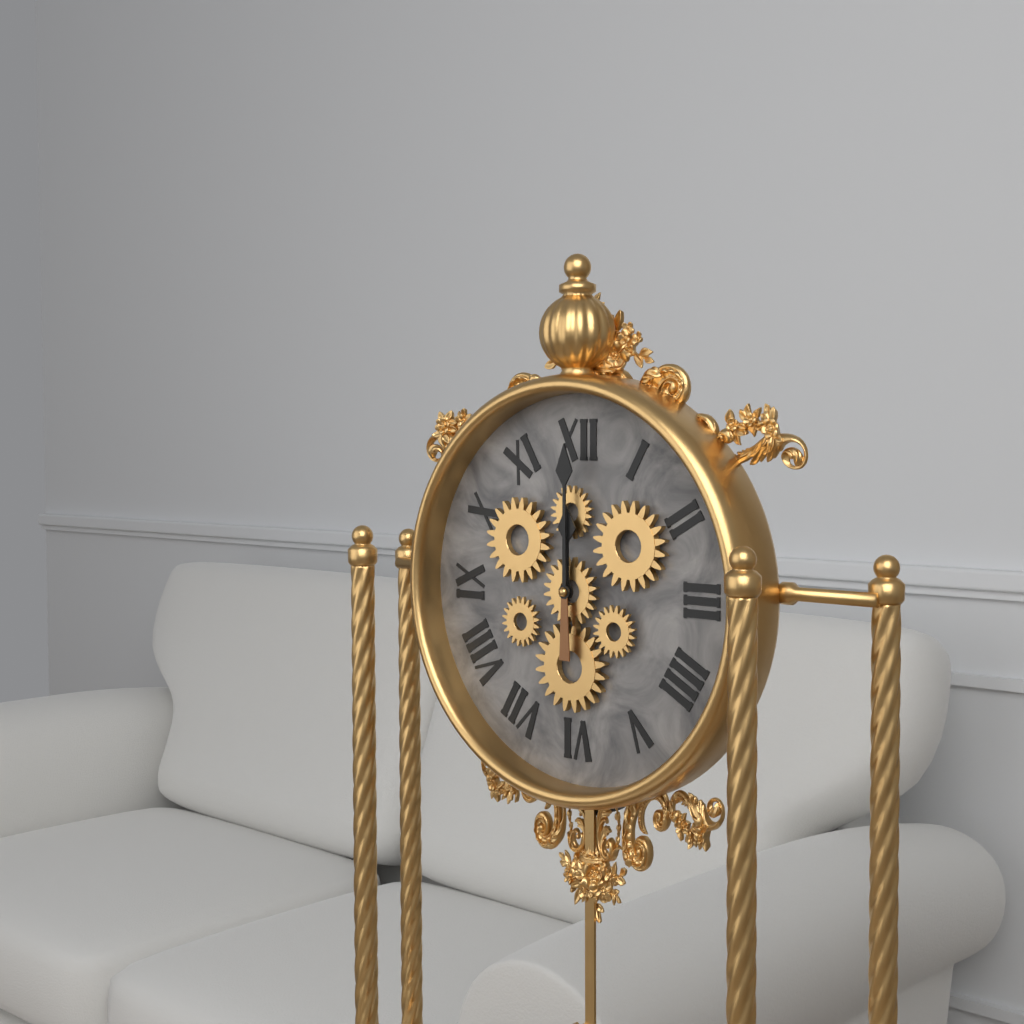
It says 12:00
